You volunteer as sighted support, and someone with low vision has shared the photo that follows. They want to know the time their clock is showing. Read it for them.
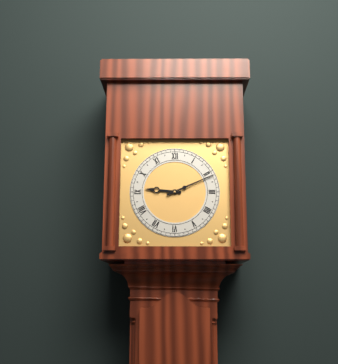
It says 9:11
